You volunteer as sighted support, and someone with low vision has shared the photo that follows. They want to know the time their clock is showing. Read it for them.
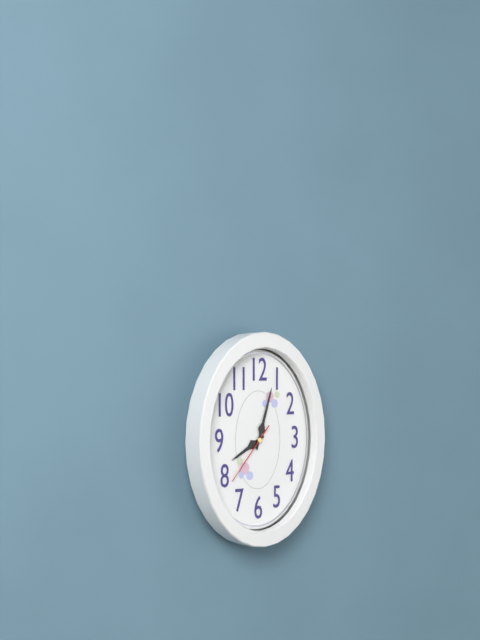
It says 8:03:37
